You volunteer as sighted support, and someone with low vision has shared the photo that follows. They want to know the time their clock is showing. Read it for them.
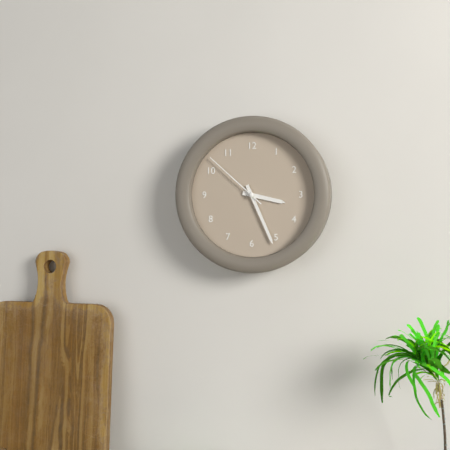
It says 3:26:52
